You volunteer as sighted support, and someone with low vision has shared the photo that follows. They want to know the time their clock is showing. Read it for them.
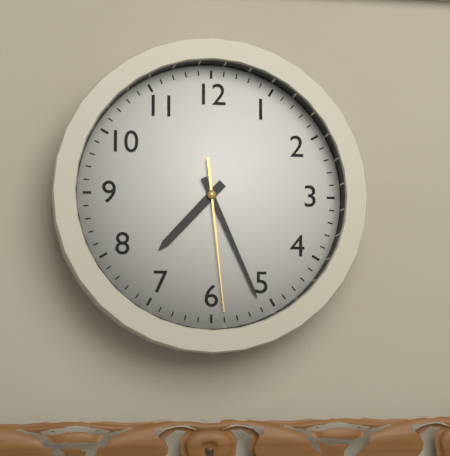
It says 7:26:29
